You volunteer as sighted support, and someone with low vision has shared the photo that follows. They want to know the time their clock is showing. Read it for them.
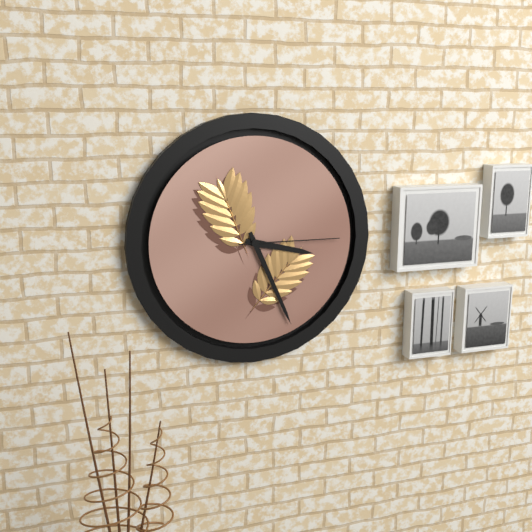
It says 3:26:15
